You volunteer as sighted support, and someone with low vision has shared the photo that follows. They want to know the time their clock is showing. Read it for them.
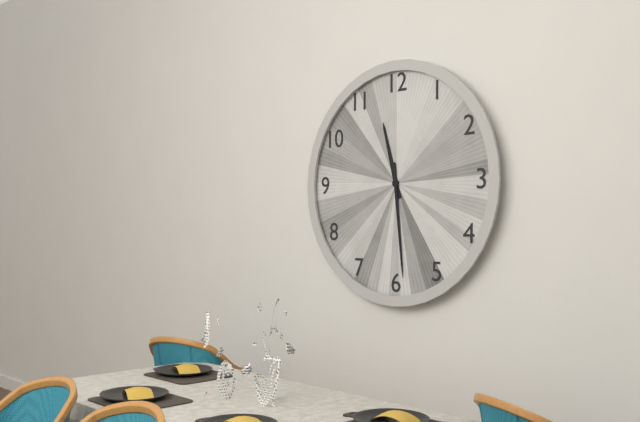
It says 11:29
